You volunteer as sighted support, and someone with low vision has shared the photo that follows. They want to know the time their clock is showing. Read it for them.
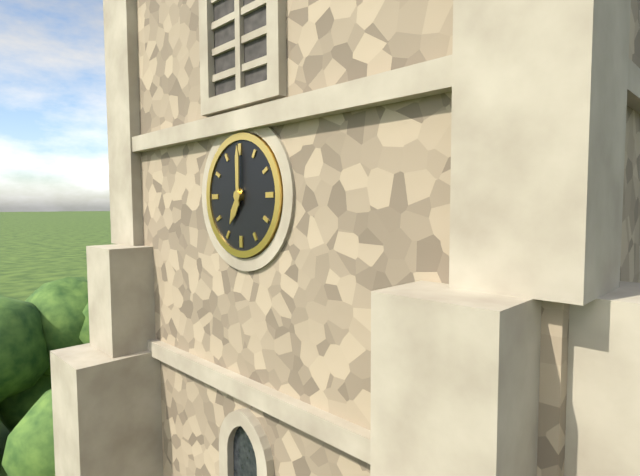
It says 7:00
